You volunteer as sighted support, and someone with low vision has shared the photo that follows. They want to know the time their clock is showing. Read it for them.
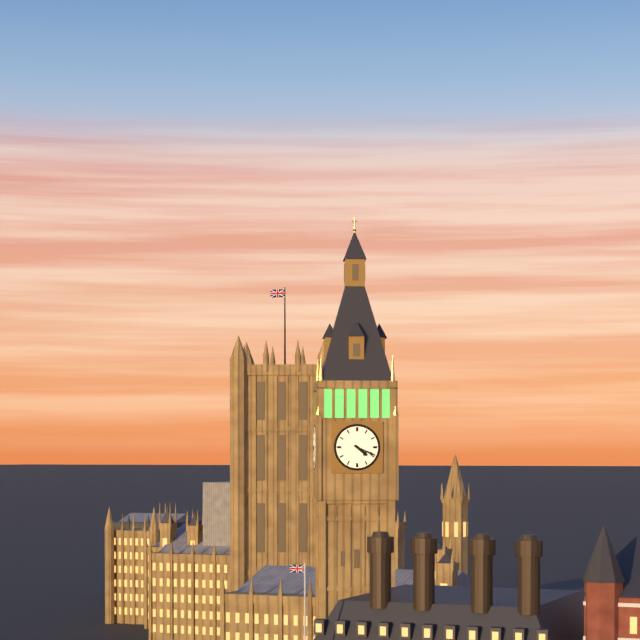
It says 4:19
